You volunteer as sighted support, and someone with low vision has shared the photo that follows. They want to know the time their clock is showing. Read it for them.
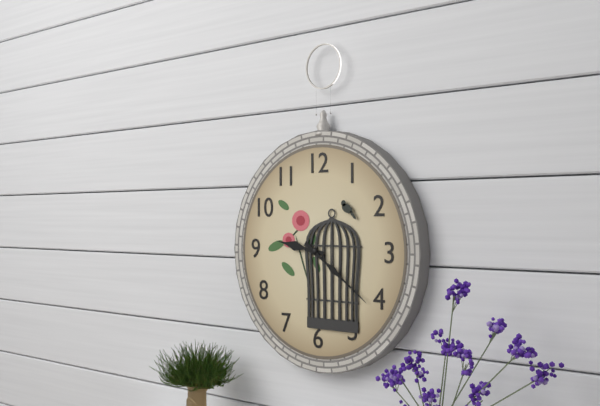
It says 9:21
